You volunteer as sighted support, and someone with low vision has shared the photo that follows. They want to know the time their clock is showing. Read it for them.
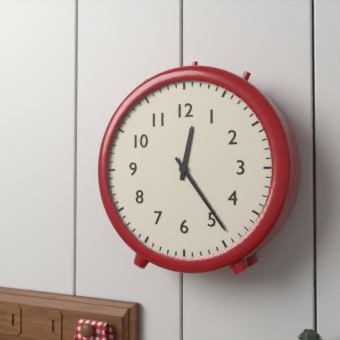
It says 12:24
